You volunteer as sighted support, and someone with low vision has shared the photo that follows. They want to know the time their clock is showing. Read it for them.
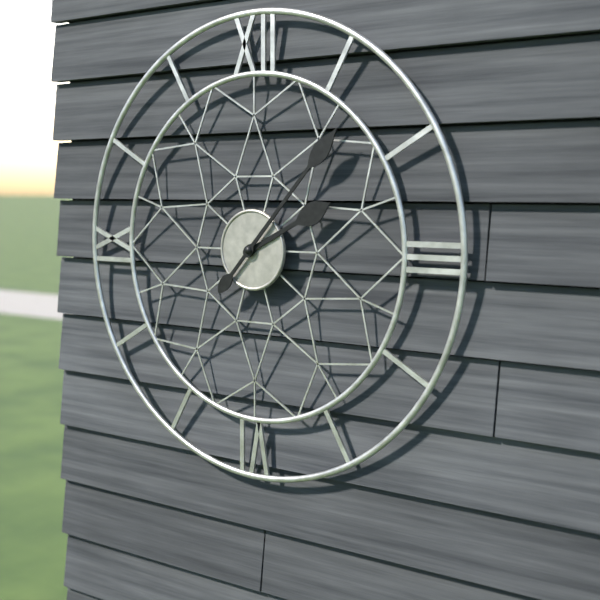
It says 2:07
